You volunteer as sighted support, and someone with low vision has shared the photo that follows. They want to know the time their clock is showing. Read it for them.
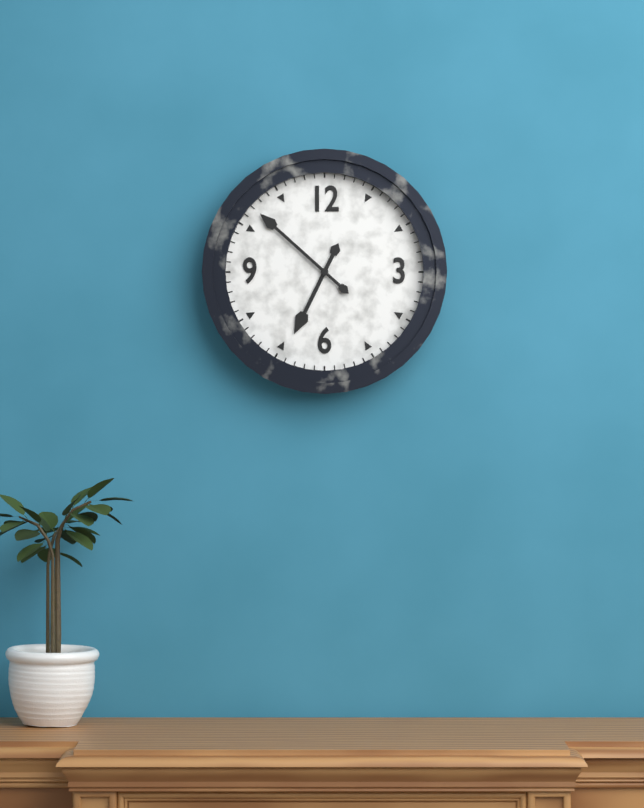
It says 6:52
